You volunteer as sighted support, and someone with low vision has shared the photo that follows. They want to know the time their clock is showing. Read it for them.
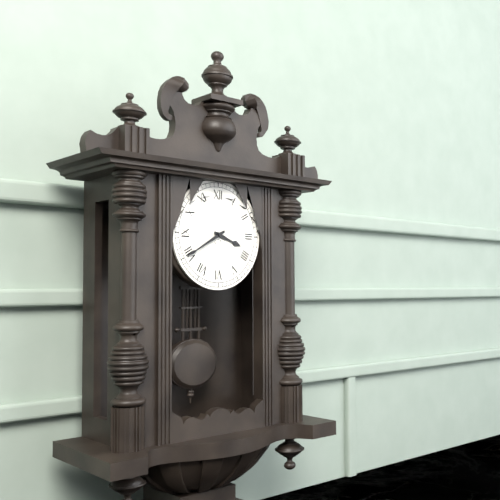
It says 3:40
